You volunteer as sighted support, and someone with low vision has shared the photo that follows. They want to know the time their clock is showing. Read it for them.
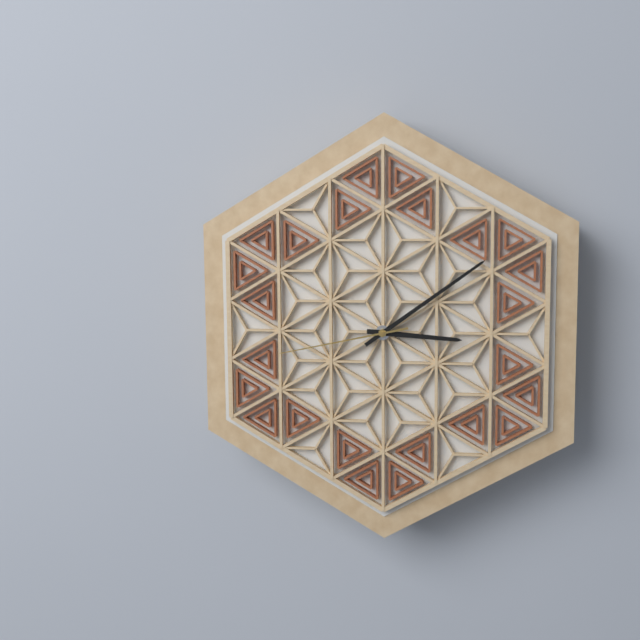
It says 3:09:43
